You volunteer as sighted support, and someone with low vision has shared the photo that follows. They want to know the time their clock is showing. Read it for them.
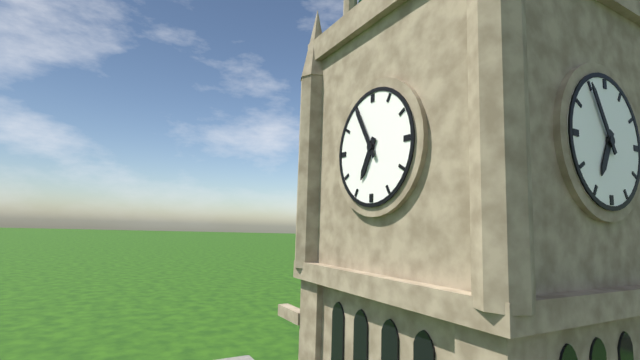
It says 6:55
